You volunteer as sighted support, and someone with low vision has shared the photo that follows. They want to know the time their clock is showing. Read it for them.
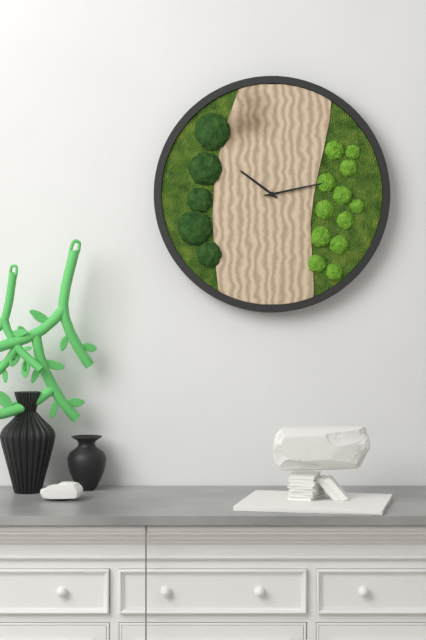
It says 10:13
